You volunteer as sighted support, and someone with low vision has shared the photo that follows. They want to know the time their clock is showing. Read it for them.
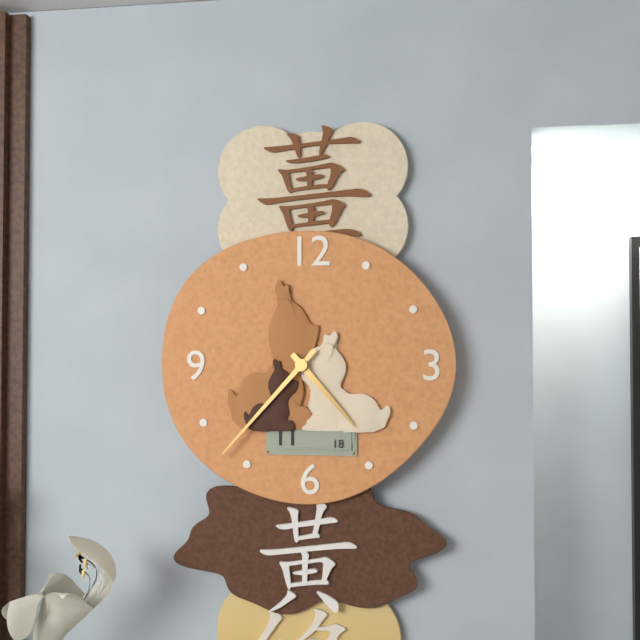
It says 4:37
